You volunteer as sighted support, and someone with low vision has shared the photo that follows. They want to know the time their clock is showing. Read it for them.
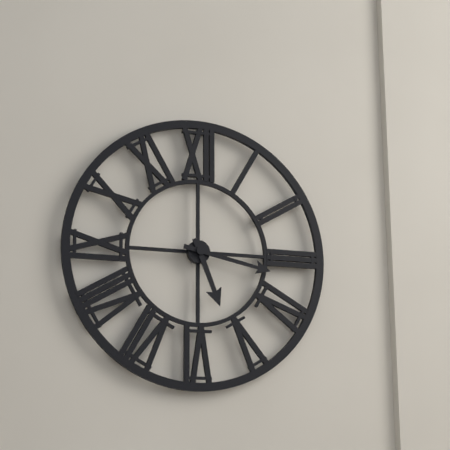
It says 5:17
